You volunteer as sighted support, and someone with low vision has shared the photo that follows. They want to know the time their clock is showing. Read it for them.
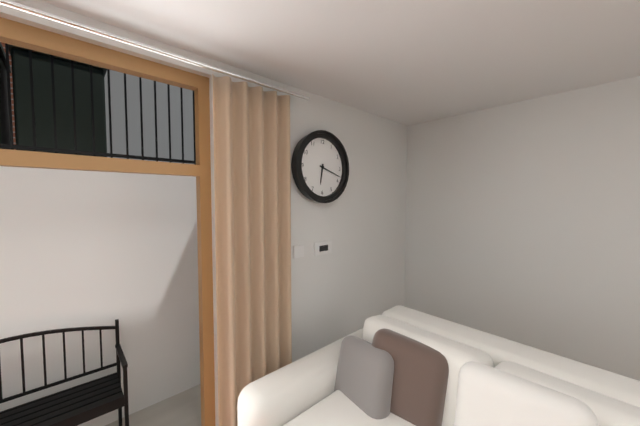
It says 6:18
